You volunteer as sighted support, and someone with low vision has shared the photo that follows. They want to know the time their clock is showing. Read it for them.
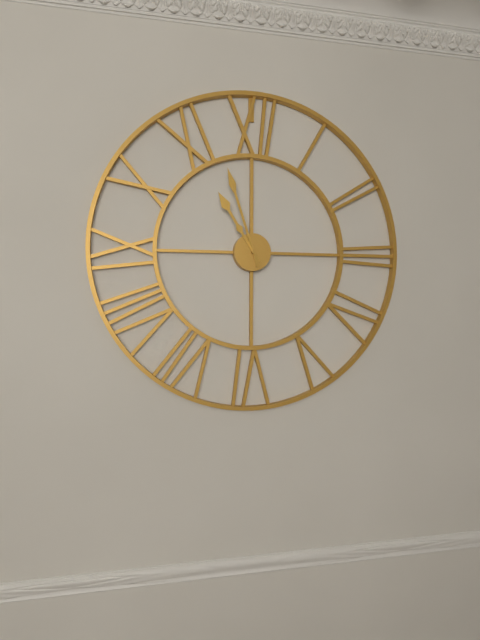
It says 10:57
